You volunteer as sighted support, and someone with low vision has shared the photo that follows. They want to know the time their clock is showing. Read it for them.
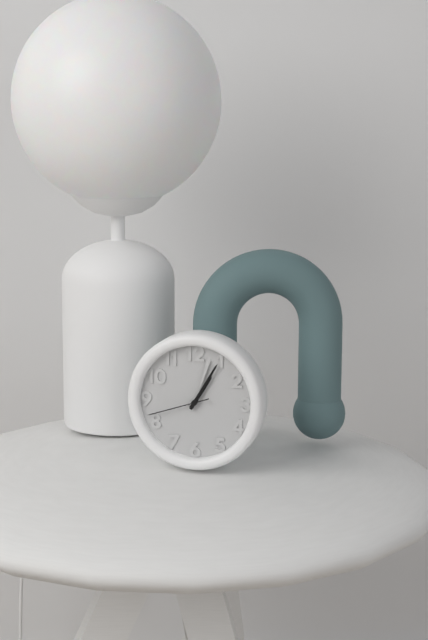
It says 1:05:42
